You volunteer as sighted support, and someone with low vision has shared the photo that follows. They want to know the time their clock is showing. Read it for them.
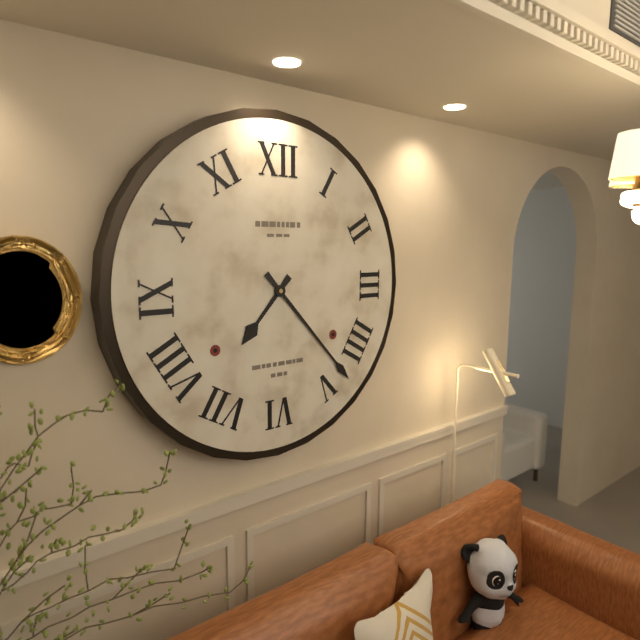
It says 7:23
